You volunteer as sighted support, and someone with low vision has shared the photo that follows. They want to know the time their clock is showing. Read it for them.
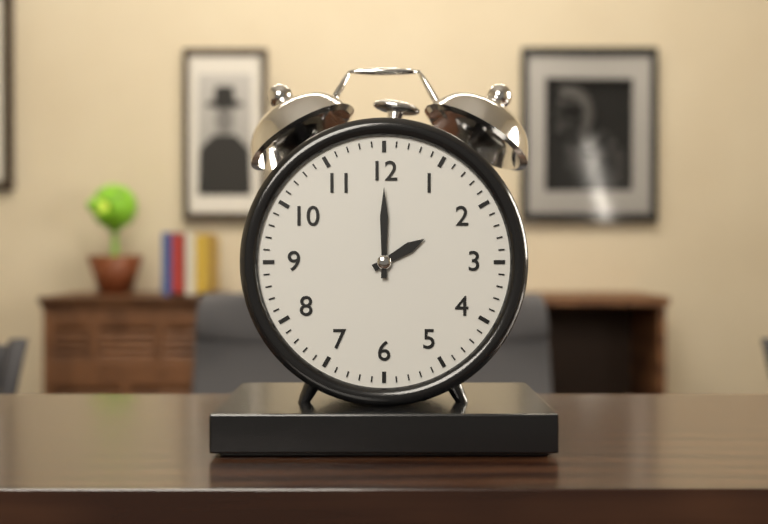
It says 2:00
